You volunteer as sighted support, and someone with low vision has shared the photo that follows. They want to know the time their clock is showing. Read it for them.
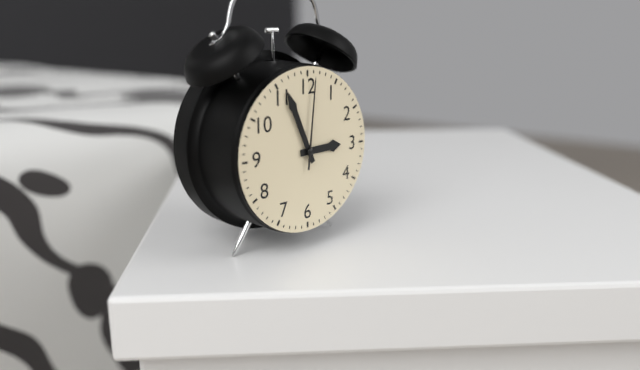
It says 2:56:01
